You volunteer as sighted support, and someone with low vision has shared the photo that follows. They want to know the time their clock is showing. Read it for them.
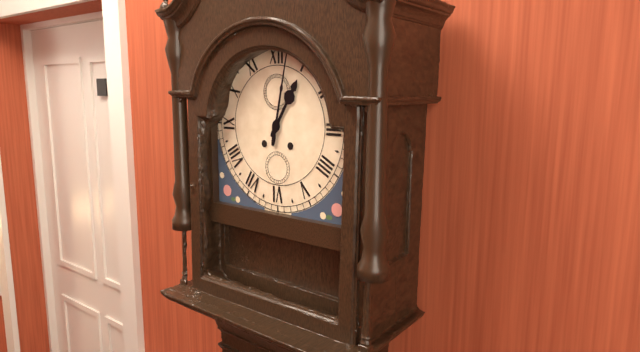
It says 1:02
